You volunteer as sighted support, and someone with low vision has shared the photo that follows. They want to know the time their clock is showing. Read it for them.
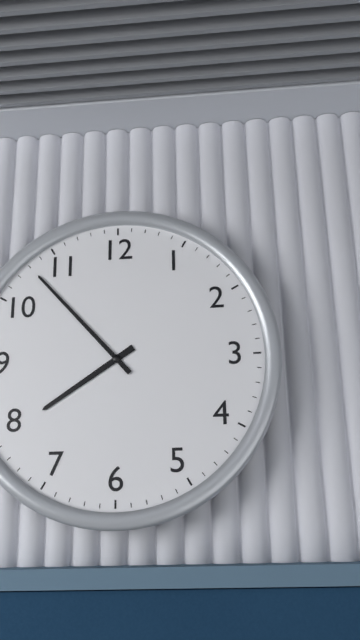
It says 7:53
